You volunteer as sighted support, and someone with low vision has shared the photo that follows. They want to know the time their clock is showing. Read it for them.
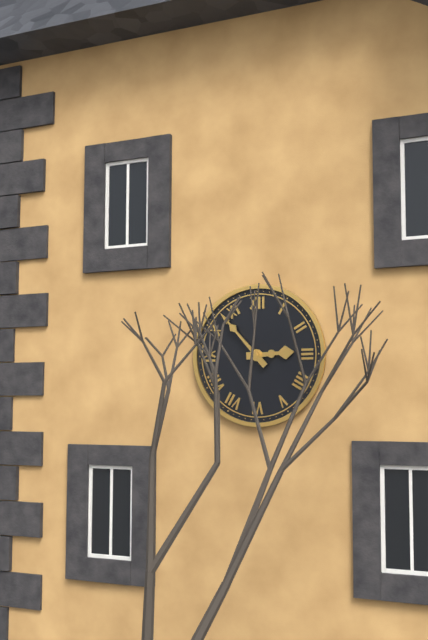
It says 2:53
